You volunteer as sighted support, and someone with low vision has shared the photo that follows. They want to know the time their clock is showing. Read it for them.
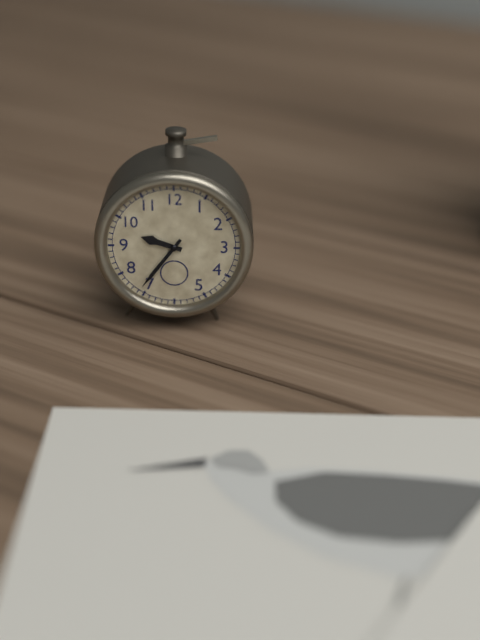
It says 9:36
